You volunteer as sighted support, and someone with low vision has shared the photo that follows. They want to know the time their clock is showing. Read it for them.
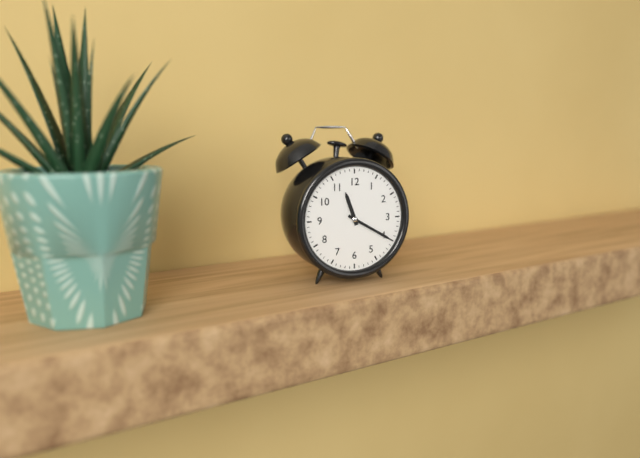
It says 11:20
